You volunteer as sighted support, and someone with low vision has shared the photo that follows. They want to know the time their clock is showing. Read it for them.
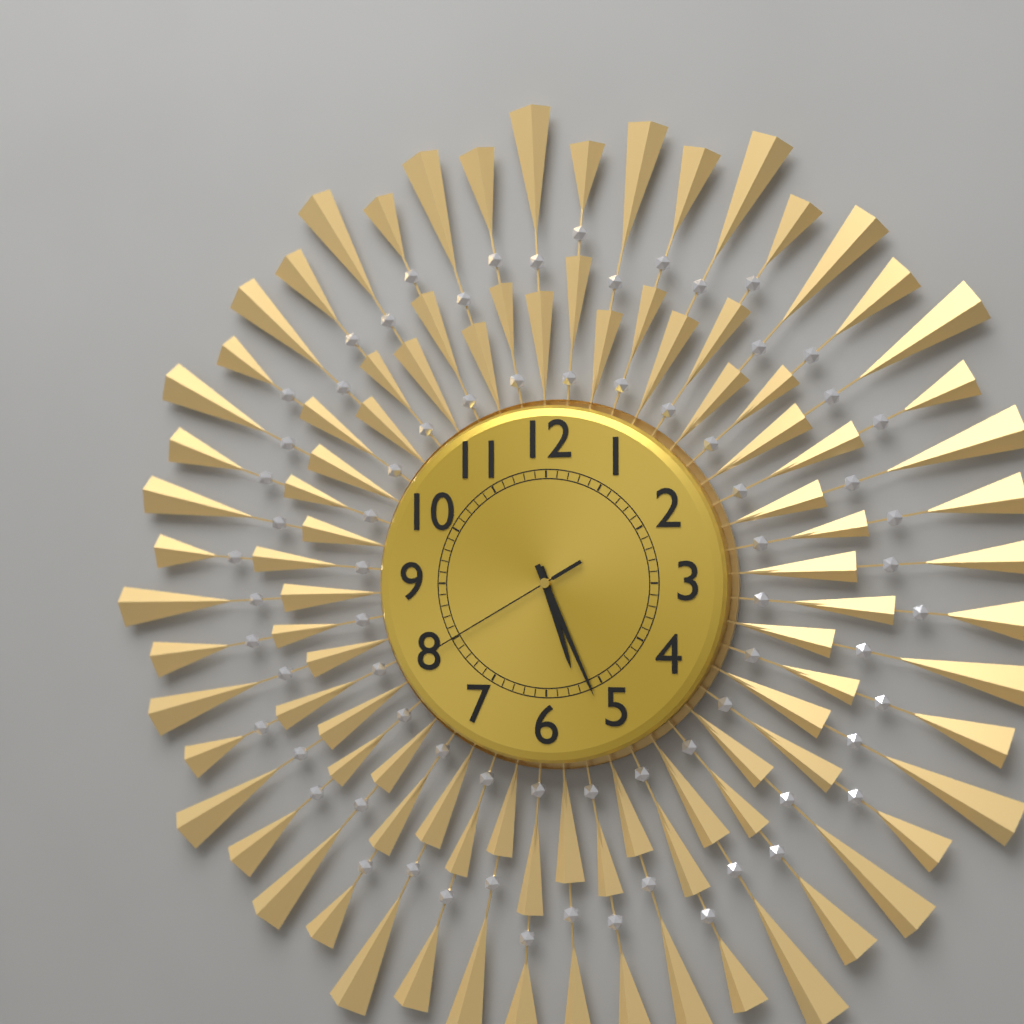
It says 5:26:40
